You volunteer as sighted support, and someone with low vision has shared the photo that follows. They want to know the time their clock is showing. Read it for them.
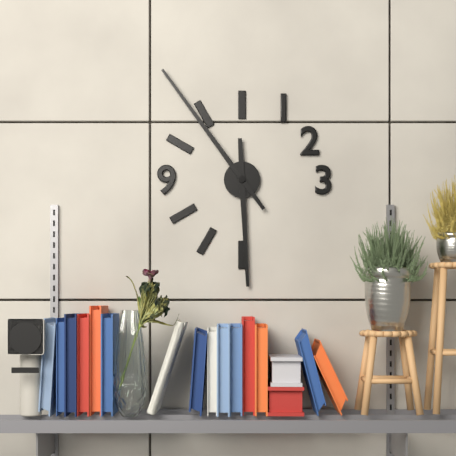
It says 5:54
